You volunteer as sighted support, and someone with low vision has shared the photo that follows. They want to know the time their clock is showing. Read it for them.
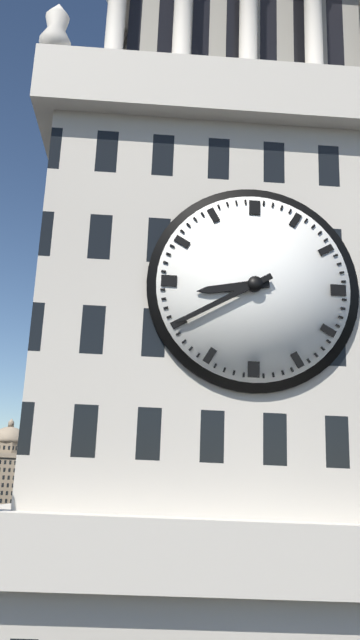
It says 8:40
